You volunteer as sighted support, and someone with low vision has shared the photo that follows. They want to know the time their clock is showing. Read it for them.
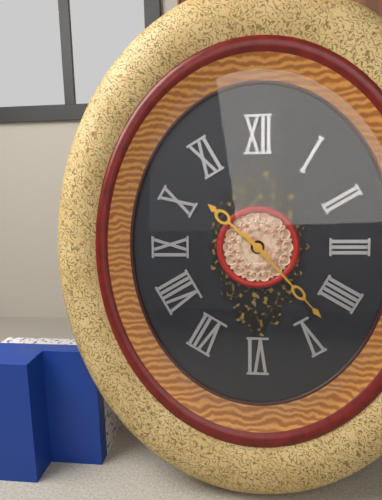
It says 10:23
